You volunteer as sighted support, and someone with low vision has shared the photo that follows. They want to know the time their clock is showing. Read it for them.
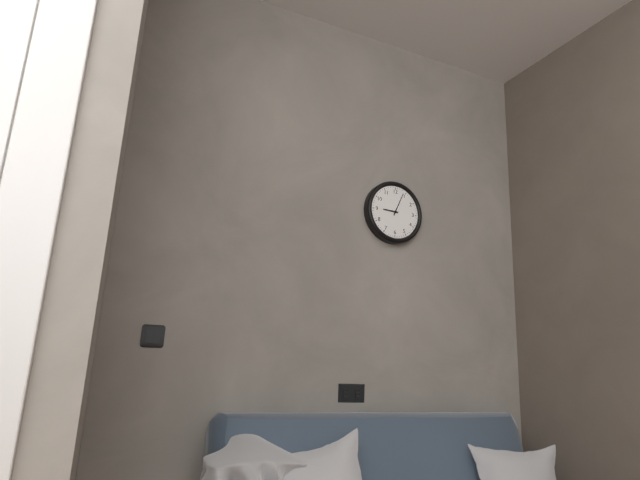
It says 9:04
